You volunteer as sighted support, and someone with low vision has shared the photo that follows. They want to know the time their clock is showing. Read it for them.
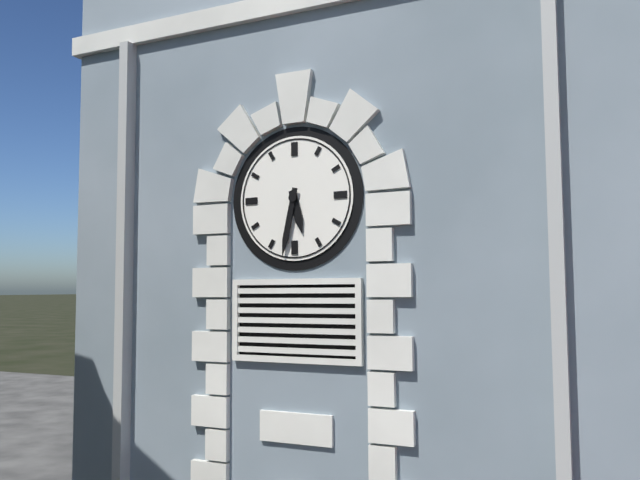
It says 5:32
